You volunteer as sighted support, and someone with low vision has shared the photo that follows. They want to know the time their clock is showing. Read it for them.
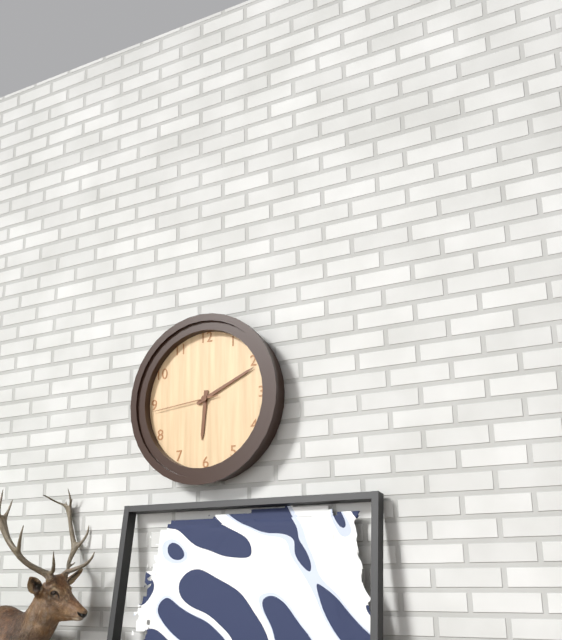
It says 6:11:44
